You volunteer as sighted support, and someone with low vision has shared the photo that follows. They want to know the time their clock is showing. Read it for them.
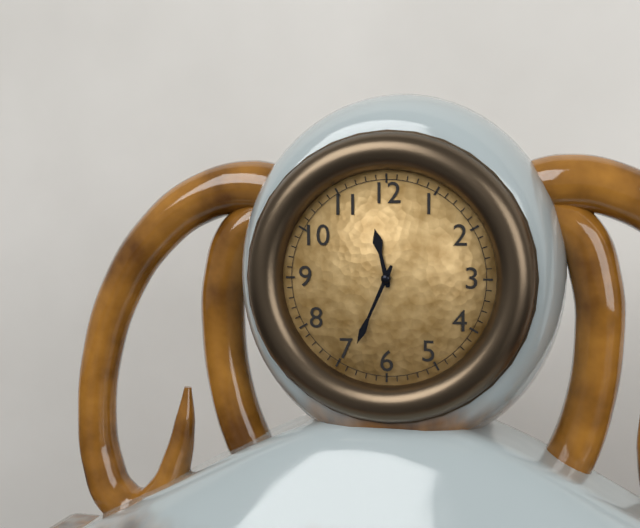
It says 11:34
